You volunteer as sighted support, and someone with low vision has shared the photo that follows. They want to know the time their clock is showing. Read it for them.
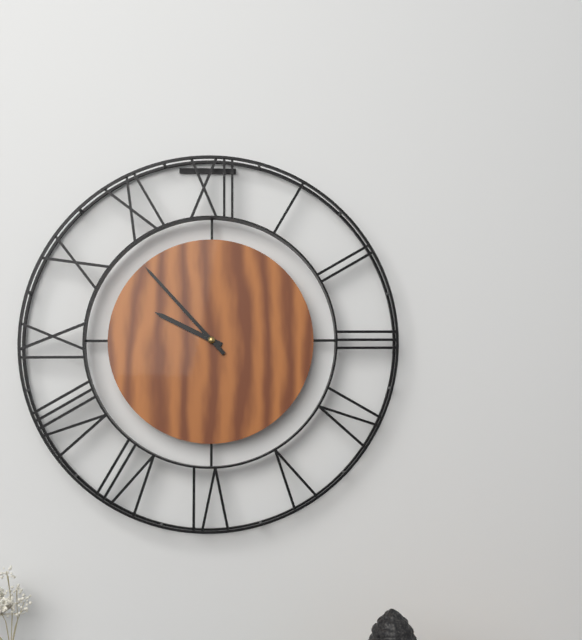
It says 9:53
